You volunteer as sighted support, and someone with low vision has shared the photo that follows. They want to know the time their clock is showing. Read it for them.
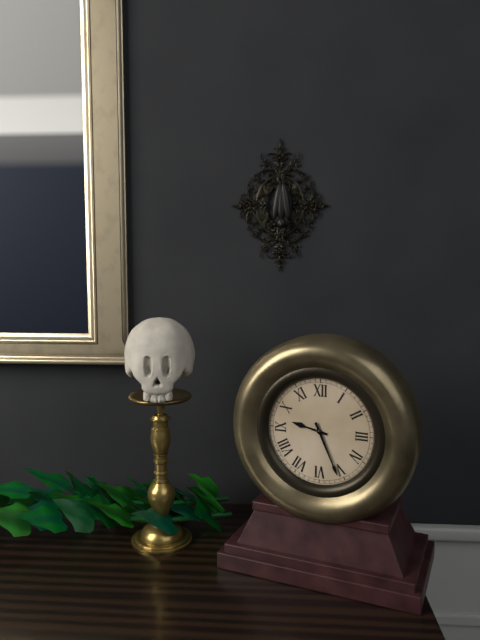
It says 9:26
